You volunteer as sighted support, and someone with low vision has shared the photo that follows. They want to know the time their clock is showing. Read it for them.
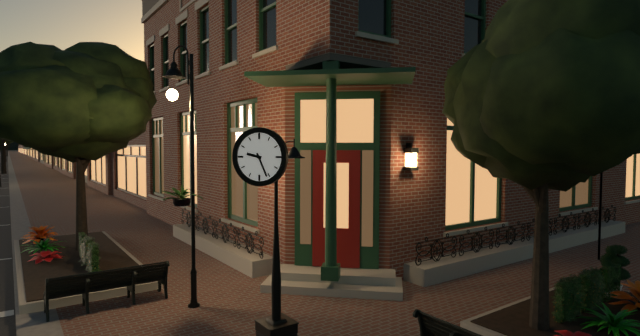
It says 9:26
